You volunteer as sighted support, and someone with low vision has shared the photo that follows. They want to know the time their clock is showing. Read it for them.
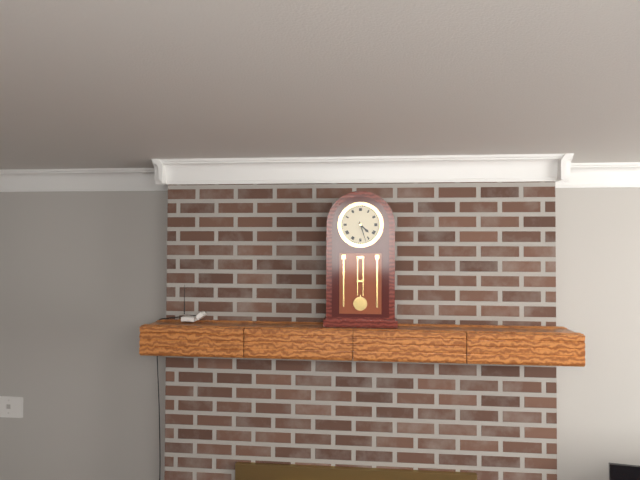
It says 4:27
